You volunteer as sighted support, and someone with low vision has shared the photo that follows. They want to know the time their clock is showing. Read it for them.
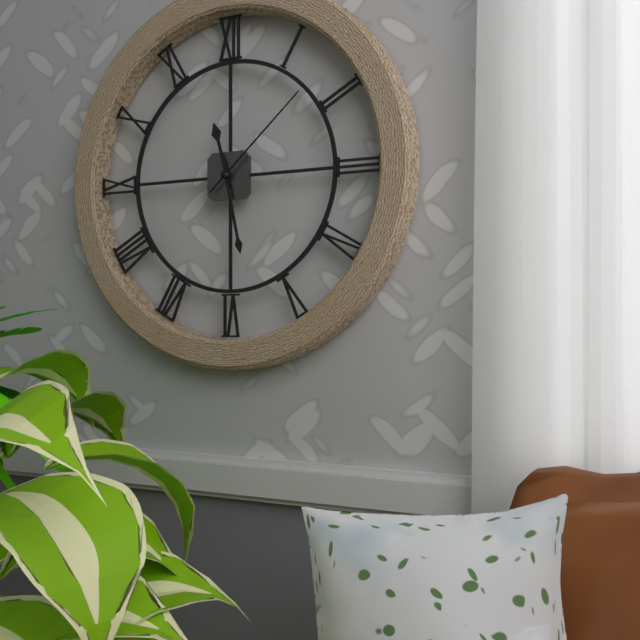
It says 11:28:08
